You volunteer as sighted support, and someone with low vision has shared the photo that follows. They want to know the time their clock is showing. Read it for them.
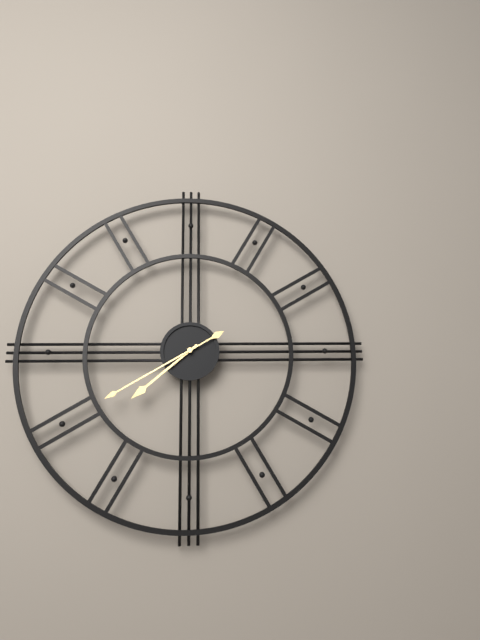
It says 7:40
